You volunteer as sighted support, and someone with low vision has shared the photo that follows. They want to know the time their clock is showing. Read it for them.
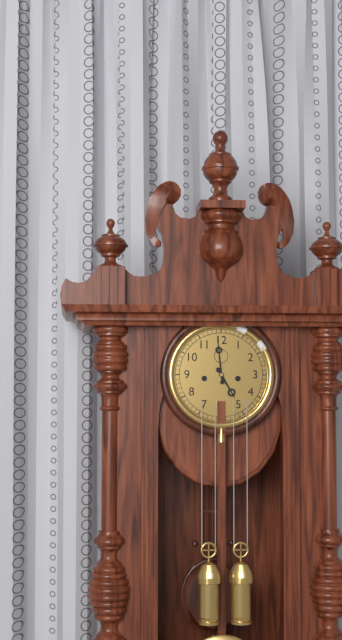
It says 4:59
